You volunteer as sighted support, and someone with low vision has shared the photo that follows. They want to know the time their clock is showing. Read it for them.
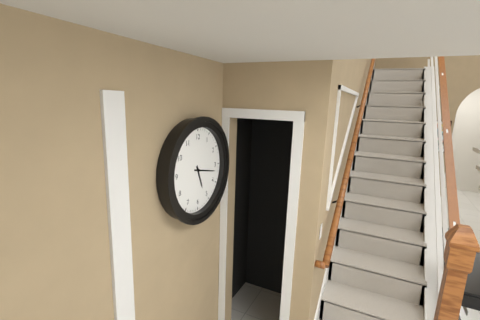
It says 5:17
